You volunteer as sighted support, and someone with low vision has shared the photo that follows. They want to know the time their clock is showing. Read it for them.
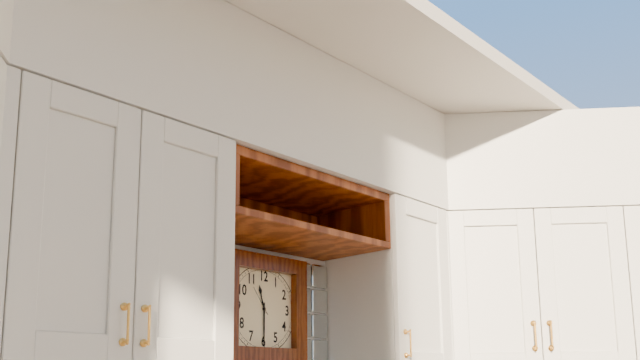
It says 11:30
